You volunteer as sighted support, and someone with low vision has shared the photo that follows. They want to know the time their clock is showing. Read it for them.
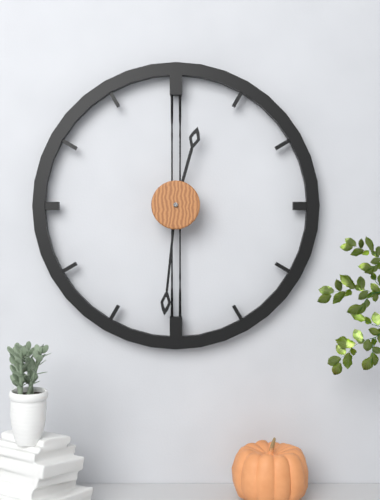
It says 12:31
